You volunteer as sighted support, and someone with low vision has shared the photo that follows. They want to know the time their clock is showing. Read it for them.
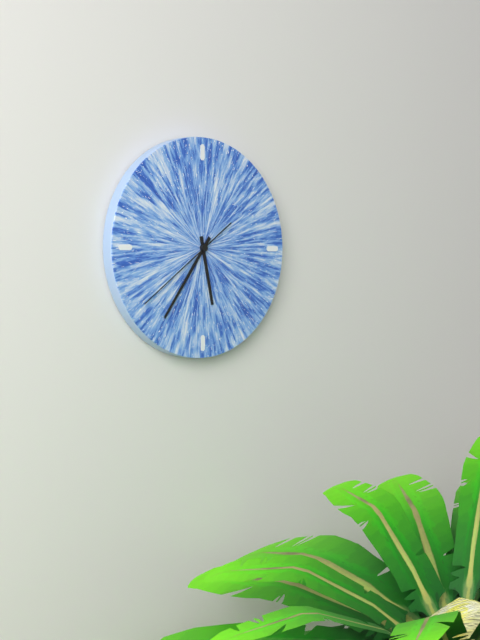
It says 5:36:39
